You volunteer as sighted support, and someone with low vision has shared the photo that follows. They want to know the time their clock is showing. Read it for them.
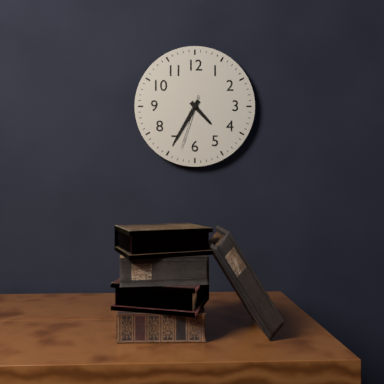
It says 4:35:33
